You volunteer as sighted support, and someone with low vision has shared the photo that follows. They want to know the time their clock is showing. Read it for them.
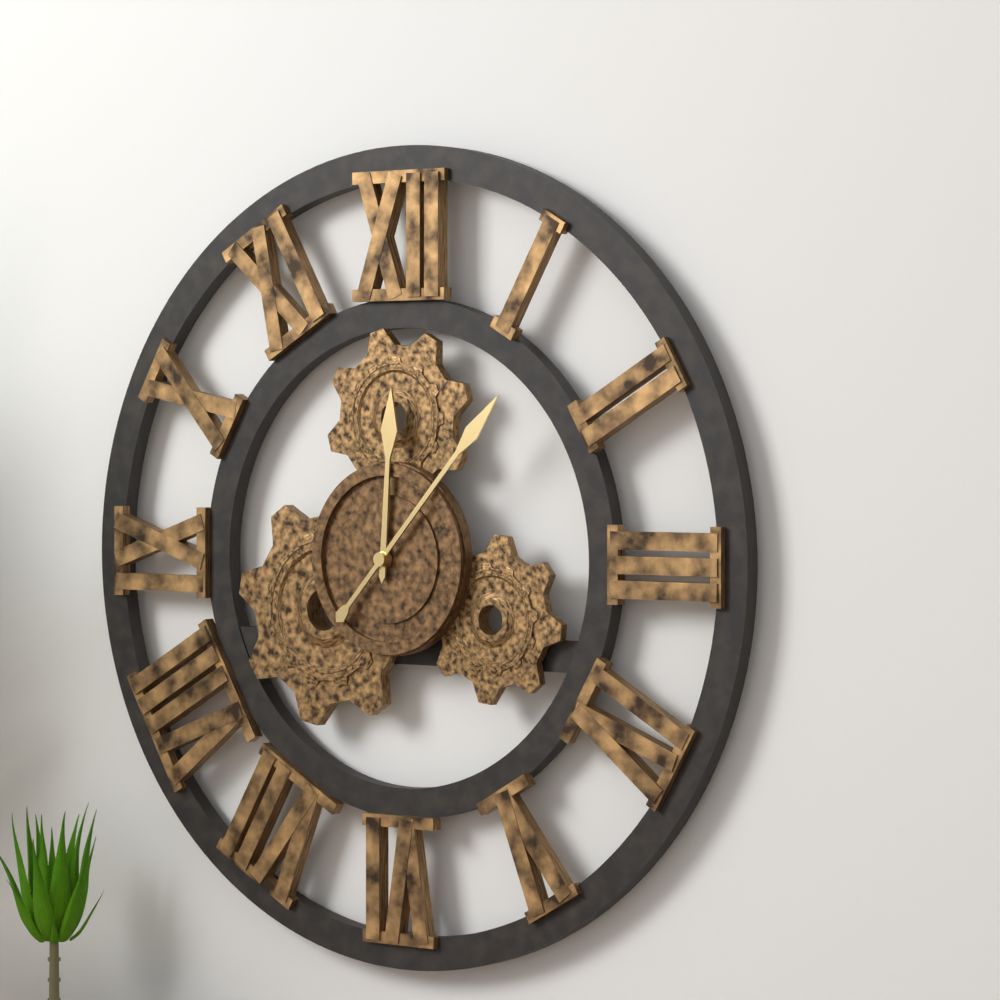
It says 12:07
